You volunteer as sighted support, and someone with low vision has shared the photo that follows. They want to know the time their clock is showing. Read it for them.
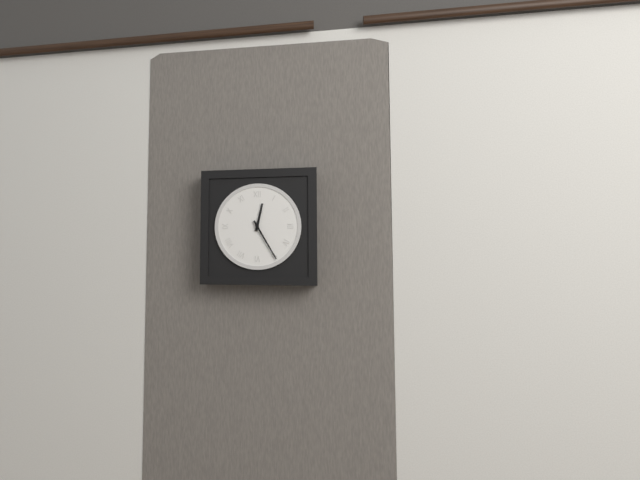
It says 12:25
